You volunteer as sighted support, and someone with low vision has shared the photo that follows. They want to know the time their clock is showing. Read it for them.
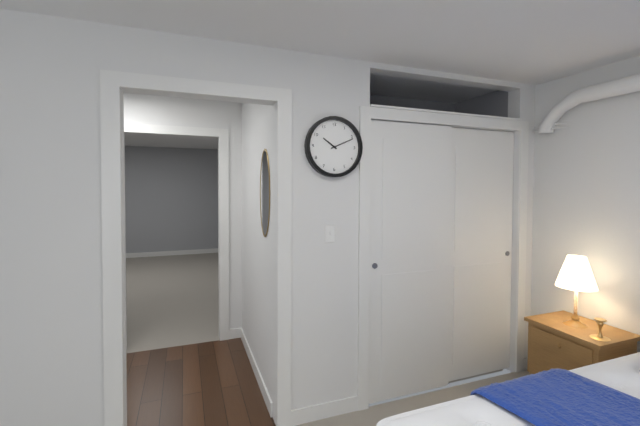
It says 10:11
